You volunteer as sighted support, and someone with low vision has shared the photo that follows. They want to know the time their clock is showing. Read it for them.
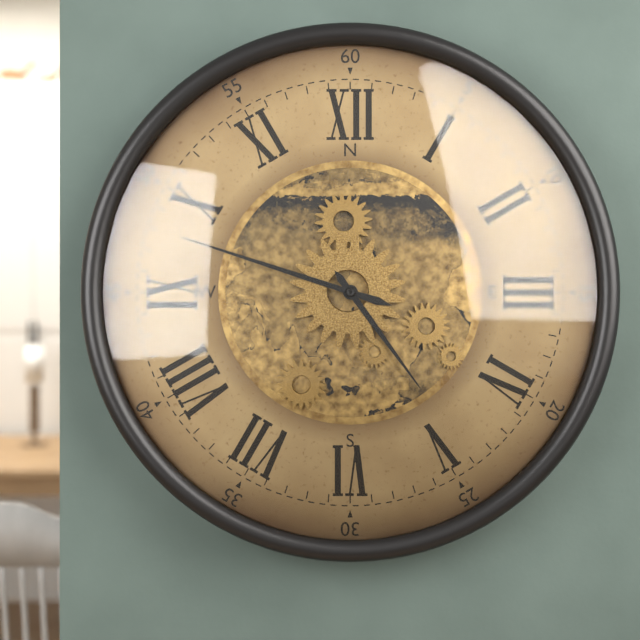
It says 4:48
